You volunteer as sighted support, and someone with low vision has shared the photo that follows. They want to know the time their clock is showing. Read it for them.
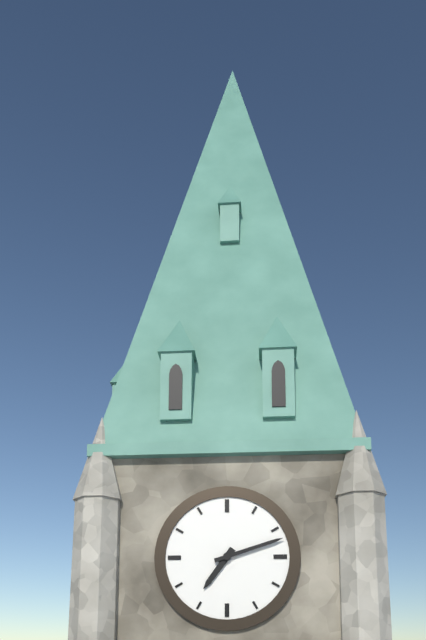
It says 7:12
